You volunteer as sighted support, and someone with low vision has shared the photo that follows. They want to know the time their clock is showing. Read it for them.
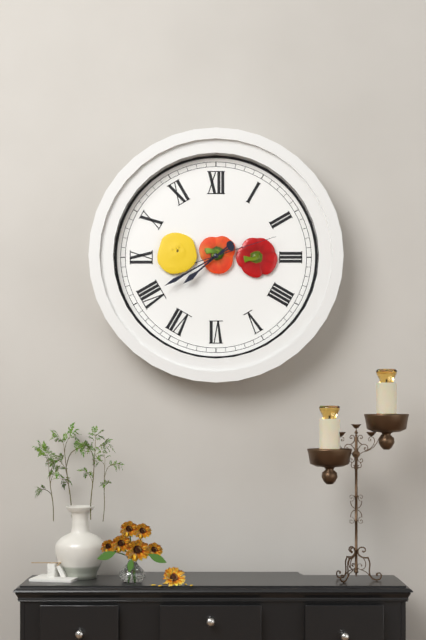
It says 7:40:12
